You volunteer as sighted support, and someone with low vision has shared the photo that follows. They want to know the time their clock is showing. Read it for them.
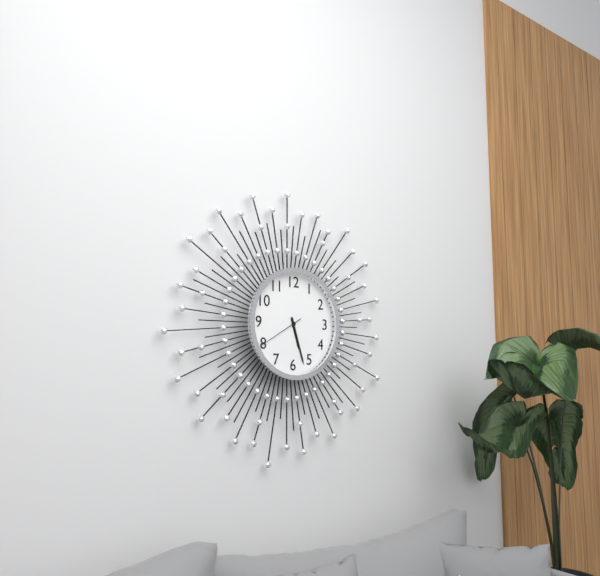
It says 5:27
